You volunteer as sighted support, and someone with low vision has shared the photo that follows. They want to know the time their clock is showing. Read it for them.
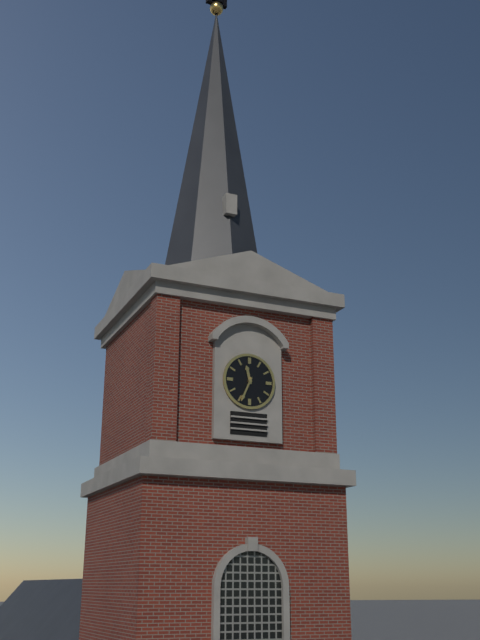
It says 11:34
